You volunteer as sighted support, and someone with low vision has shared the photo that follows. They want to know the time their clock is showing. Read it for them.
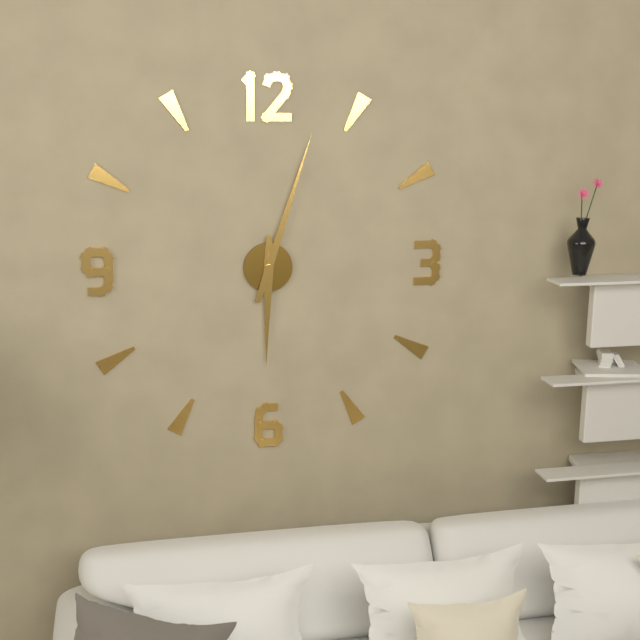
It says 6:03
